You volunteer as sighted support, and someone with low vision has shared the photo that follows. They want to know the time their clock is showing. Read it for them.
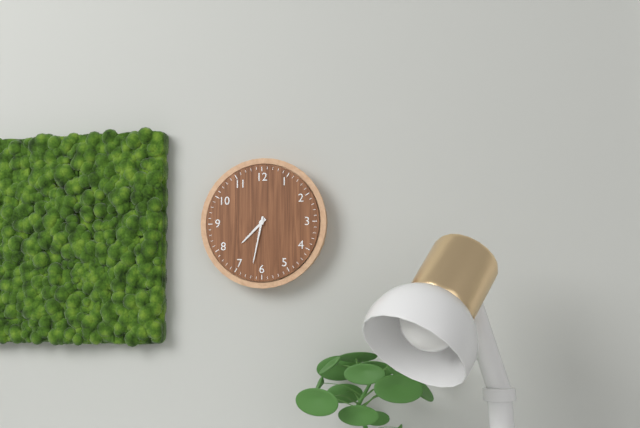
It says 7:32
